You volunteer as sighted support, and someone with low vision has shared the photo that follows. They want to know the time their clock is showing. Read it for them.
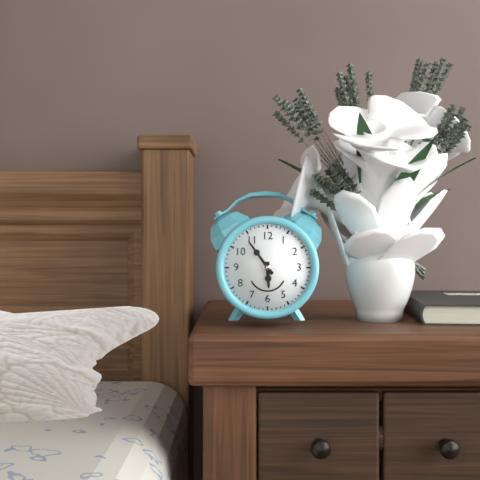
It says 5:54
